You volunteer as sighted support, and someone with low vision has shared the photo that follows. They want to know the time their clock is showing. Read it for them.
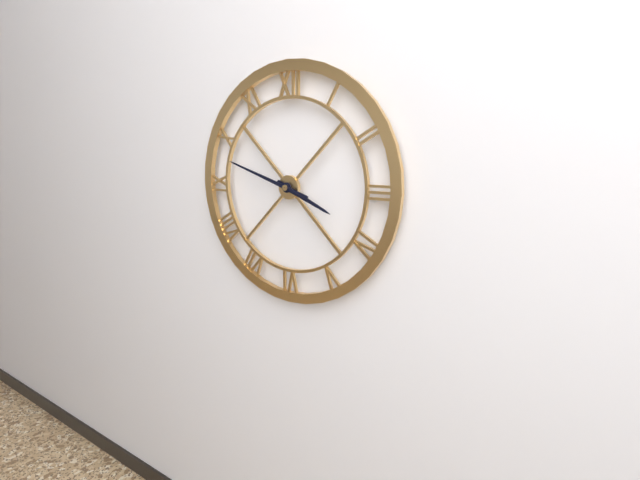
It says 3:48
